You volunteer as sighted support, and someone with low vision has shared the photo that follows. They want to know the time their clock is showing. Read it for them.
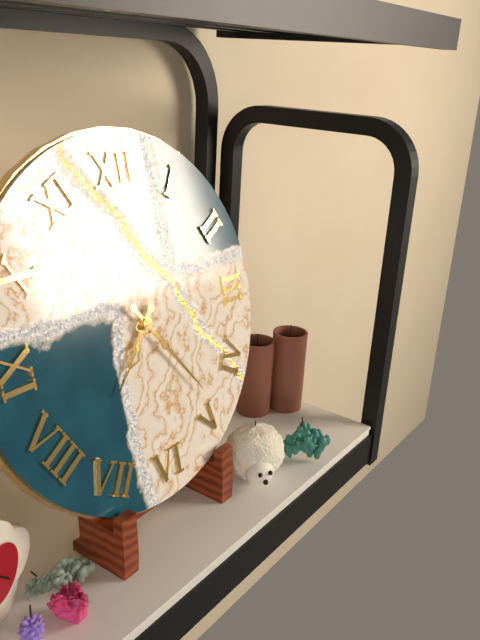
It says 7:24
